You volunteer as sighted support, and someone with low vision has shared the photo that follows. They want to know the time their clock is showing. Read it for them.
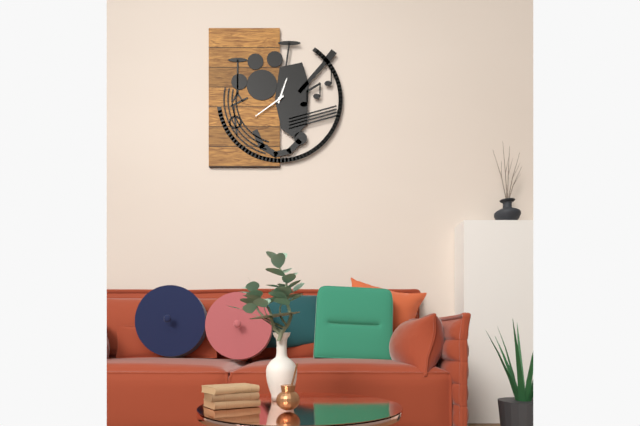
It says 12:39
